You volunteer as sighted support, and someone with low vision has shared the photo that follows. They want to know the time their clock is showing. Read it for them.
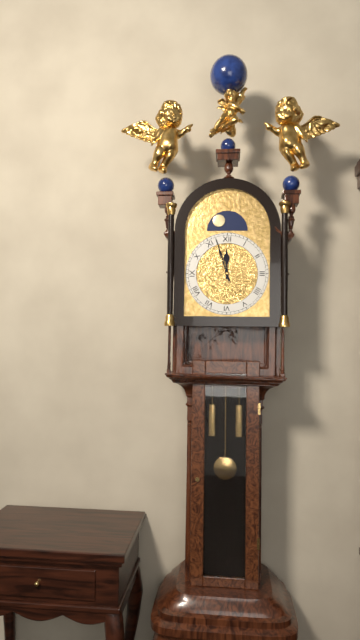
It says 11:57
